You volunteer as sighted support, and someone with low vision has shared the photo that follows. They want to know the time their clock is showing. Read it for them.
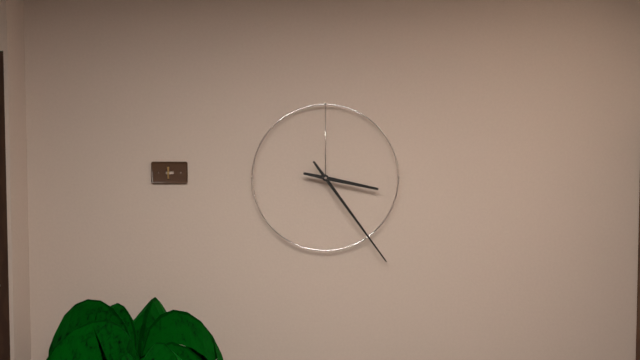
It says 3:24
